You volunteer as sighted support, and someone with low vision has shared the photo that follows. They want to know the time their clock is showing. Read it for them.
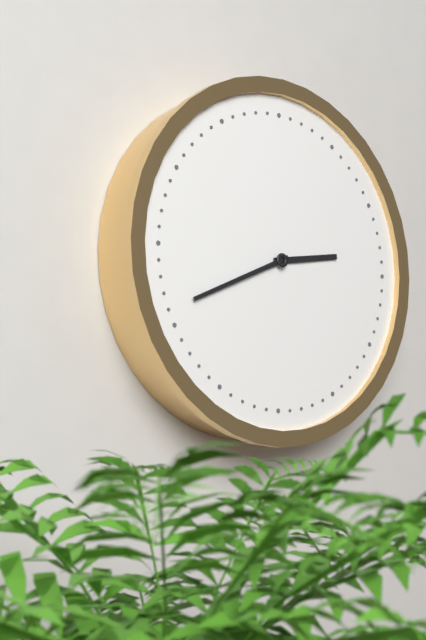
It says 2:41
